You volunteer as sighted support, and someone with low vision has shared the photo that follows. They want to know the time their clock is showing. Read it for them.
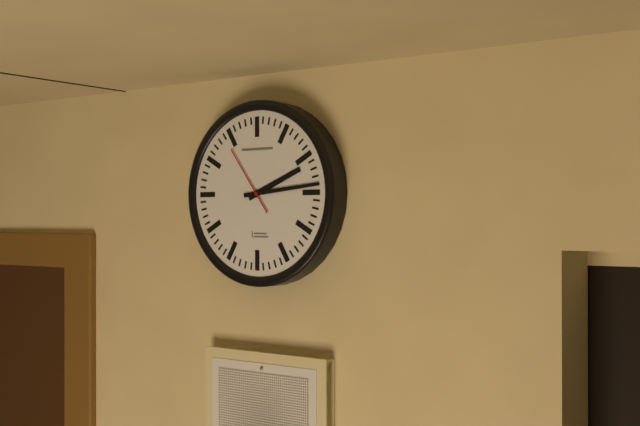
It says 2:14:54
